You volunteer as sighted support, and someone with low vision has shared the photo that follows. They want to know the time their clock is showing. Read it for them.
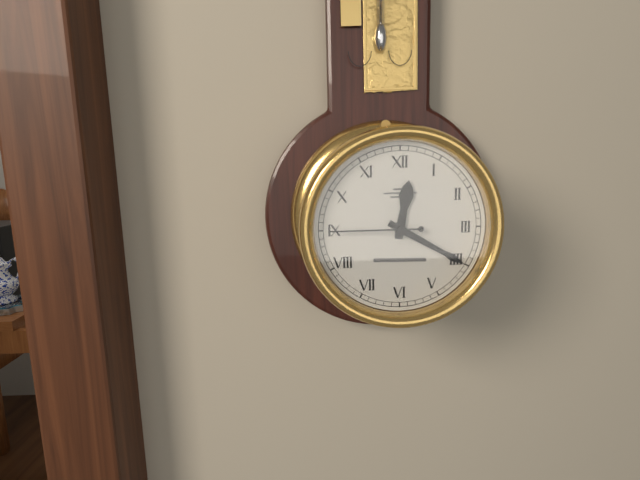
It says 12:20:45
